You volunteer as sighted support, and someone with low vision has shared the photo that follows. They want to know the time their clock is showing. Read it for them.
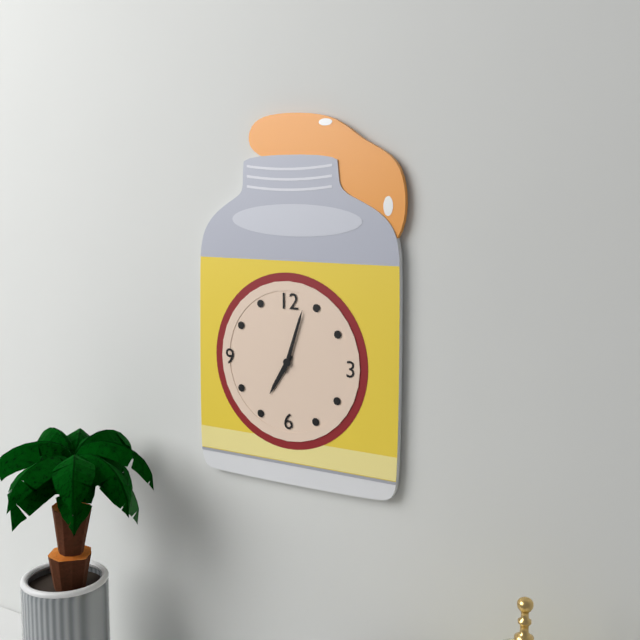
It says 7:03
